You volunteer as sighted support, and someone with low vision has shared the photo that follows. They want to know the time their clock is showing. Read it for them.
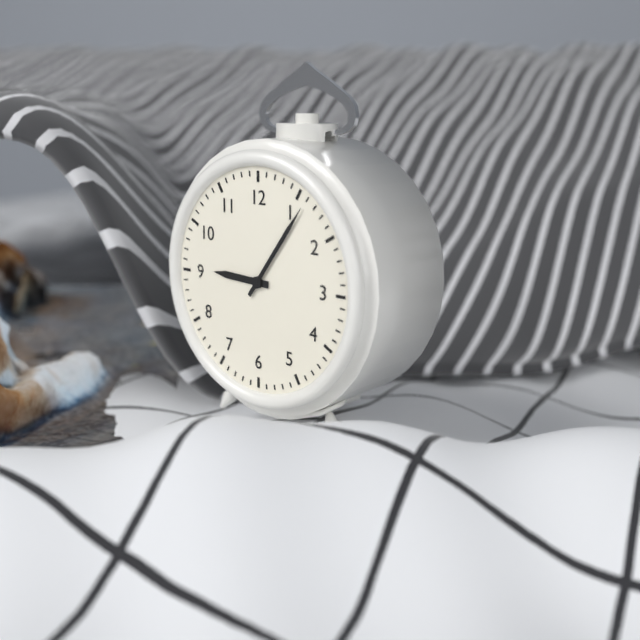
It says 9:06
